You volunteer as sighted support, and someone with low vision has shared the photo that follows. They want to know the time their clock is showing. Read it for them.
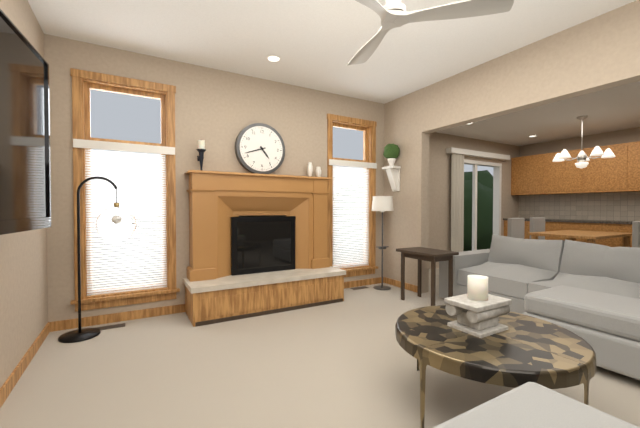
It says 4:42
